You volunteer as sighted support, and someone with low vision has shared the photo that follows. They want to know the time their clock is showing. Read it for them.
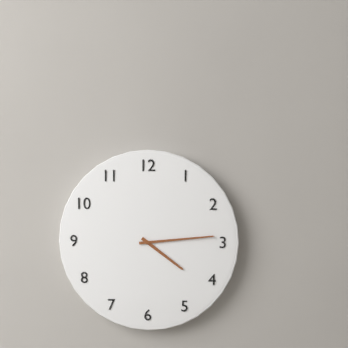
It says 4:14
